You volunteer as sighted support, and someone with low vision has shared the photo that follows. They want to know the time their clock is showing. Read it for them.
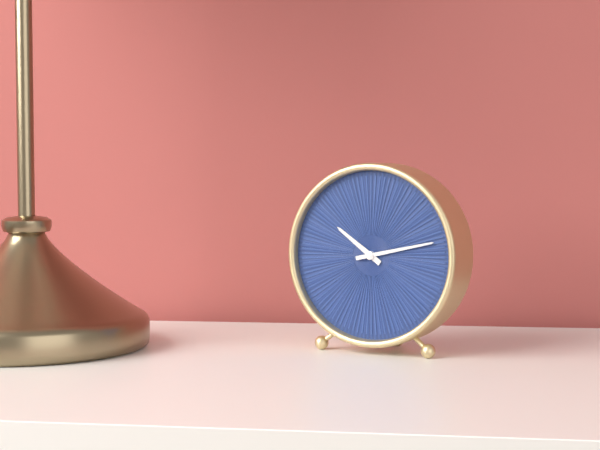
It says 10:13
